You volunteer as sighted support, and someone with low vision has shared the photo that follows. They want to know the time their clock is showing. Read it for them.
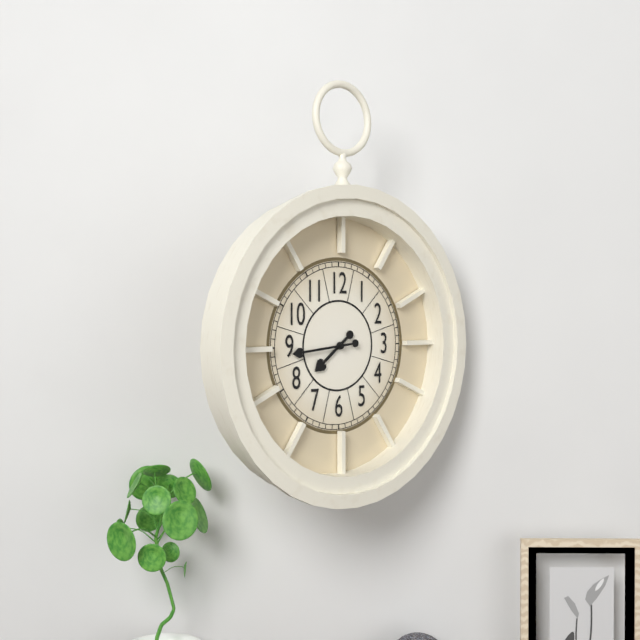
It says 7:44
